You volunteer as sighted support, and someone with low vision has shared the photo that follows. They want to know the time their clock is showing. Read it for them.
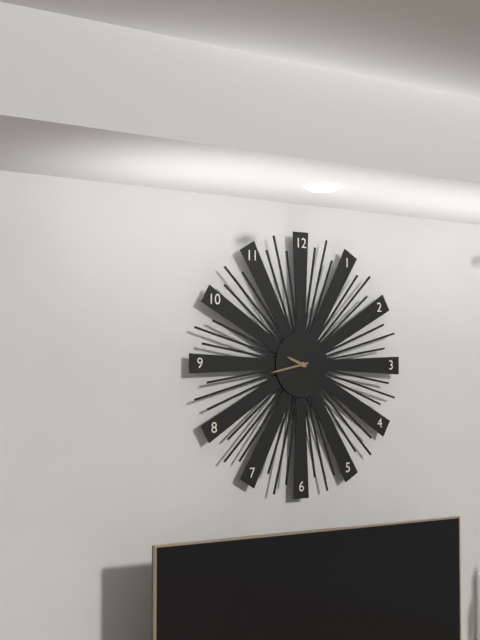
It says 9:43
